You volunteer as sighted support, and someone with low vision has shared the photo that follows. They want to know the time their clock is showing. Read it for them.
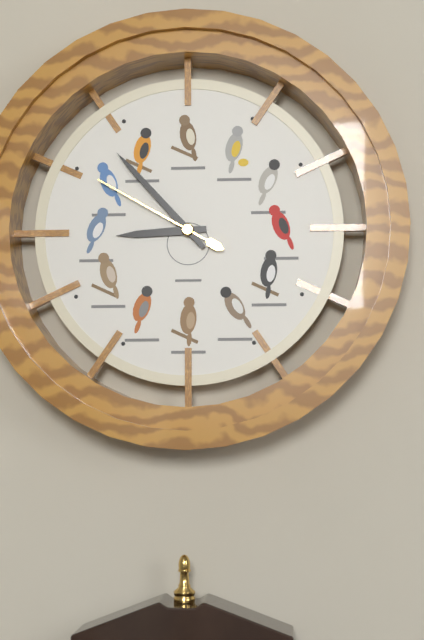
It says 8:53:50
